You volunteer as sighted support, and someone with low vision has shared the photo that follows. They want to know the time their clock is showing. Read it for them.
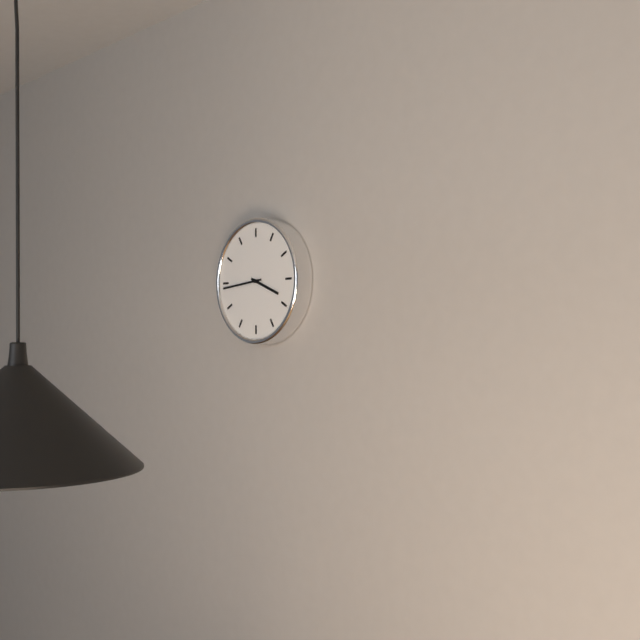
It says 3:44
